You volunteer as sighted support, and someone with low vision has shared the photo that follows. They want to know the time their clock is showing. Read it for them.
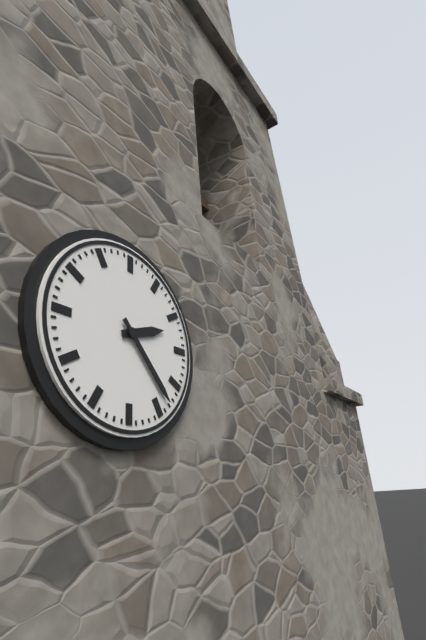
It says 2:23
